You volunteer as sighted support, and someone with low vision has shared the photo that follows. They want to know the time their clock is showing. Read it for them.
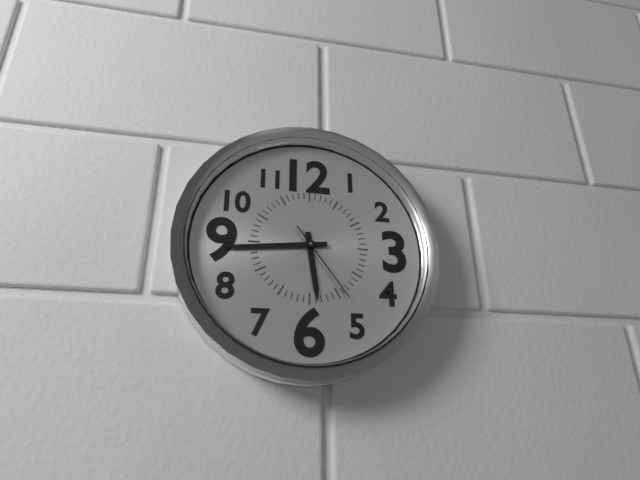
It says 5:44:24
